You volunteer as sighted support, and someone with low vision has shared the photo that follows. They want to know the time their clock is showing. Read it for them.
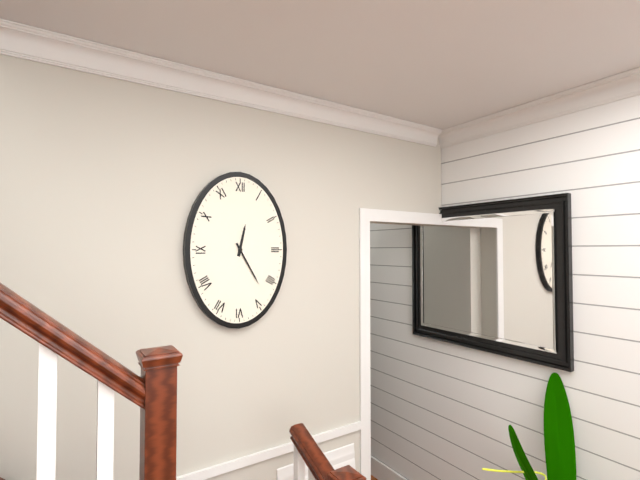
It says 12:25
